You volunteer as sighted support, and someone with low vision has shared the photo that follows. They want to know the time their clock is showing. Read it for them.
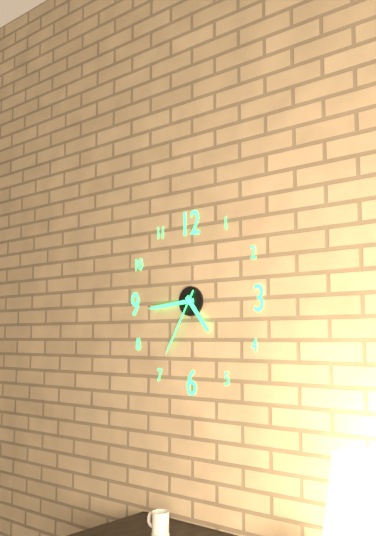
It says 4:44:35
